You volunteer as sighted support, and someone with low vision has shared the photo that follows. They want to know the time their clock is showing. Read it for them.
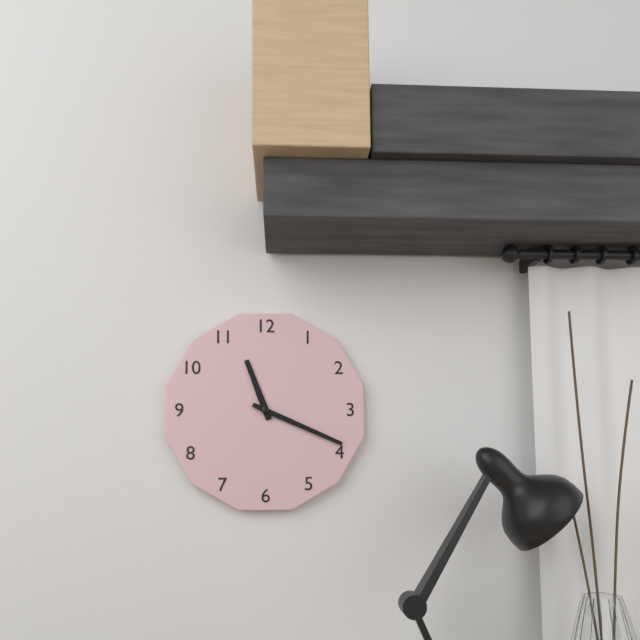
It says 11:19
